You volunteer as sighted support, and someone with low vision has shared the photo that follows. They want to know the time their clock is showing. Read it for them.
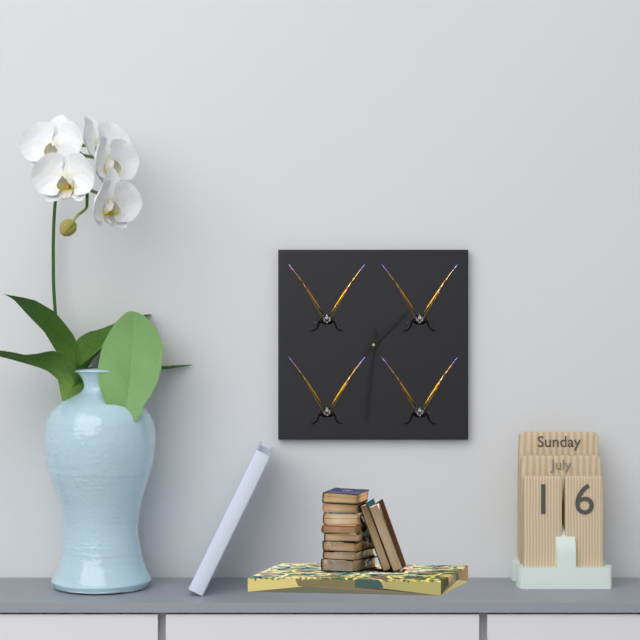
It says 1:31
